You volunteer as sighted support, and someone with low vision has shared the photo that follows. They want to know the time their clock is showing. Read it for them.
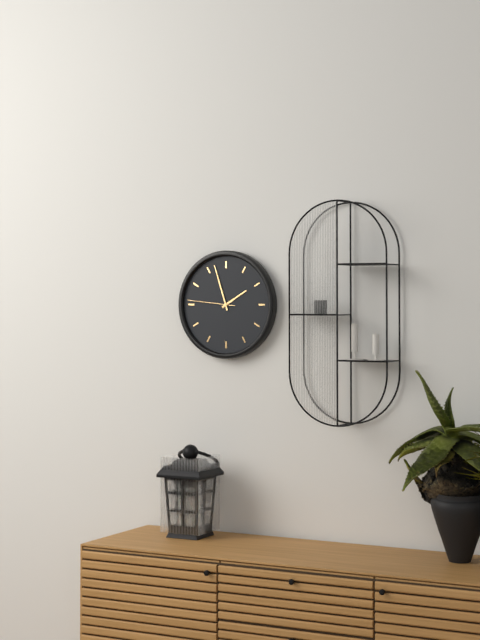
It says 1:57:46
